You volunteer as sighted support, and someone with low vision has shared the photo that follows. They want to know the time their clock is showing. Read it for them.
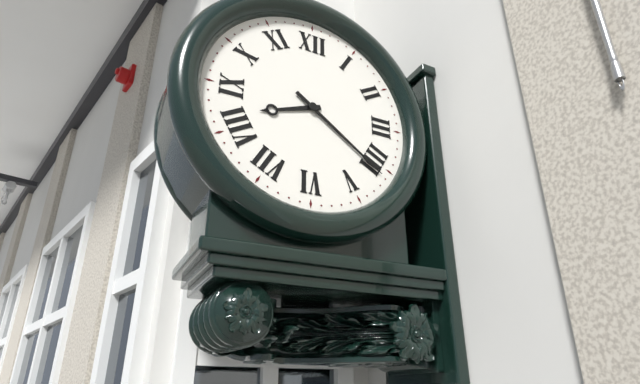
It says 8:21
